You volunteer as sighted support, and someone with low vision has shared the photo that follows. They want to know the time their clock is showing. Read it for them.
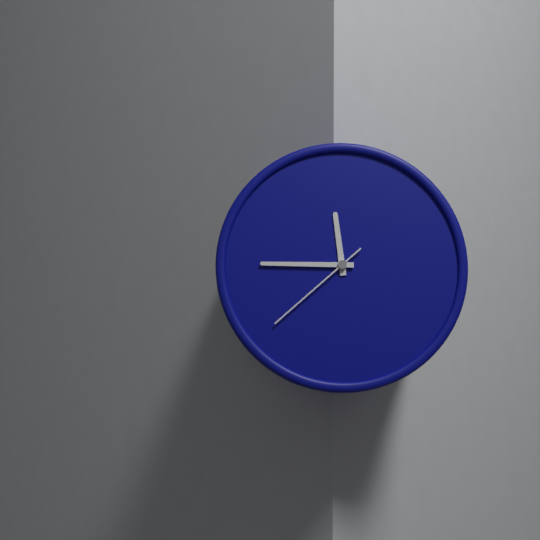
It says 11:45:38
